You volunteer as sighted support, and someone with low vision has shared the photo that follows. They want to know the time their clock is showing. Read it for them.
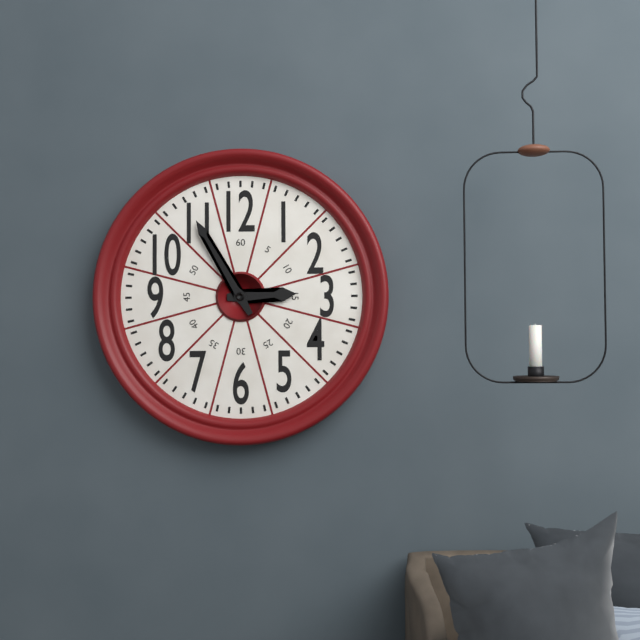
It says 2:55
